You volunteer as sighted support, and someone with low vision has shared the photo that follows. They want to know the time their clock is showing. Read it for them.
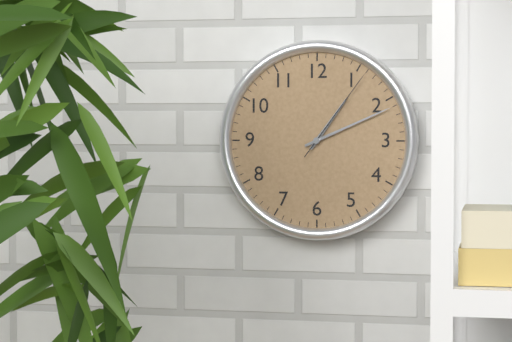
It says 1:11:06
